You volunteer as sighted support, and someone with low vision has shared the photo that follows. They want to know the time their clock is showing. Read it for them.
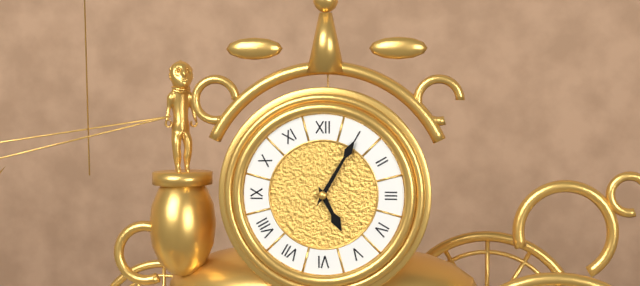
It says 5:05
